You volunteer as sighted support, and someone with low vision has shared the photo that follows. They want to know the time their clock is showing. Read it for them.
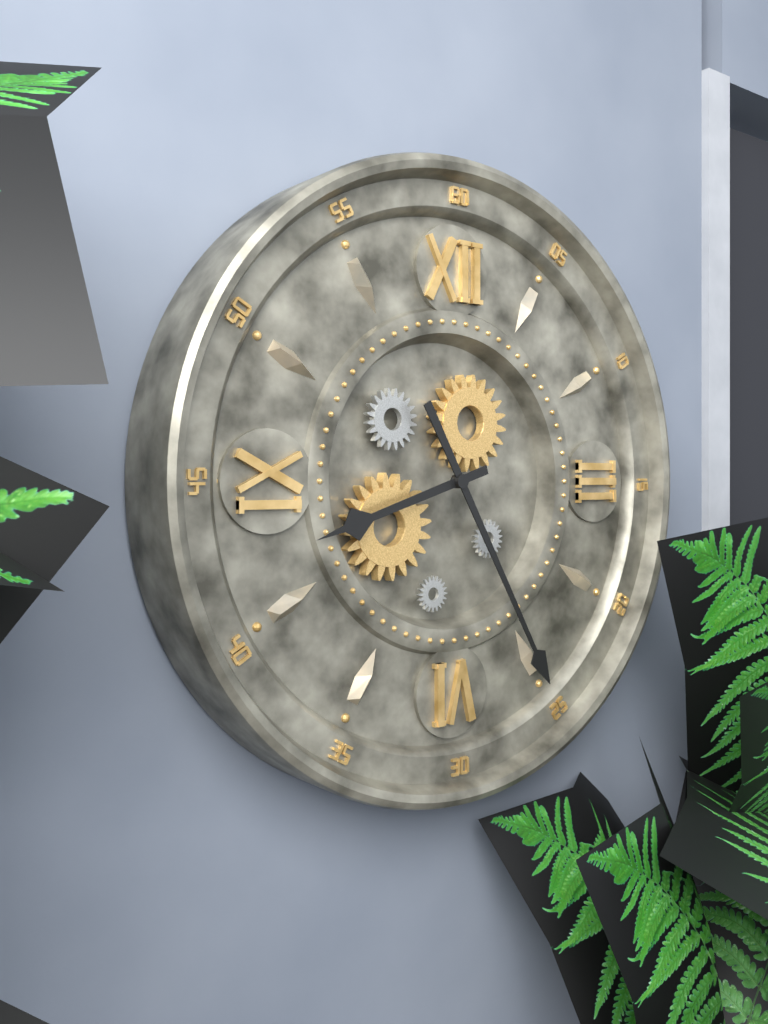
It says 8:25
